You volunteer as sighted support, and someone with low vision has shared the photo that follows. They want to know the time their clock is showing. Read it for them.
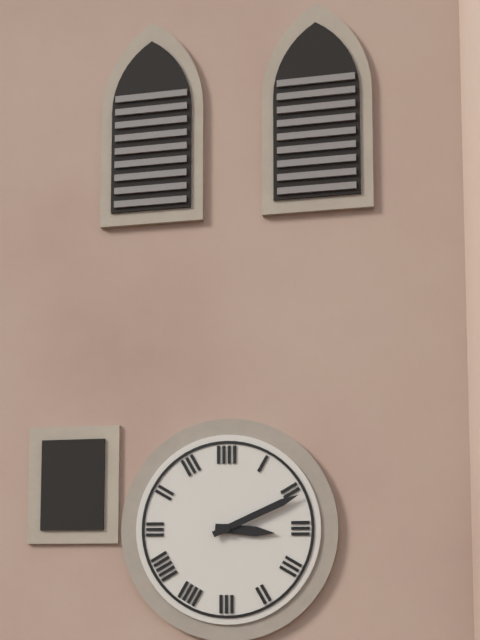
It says 3:11
